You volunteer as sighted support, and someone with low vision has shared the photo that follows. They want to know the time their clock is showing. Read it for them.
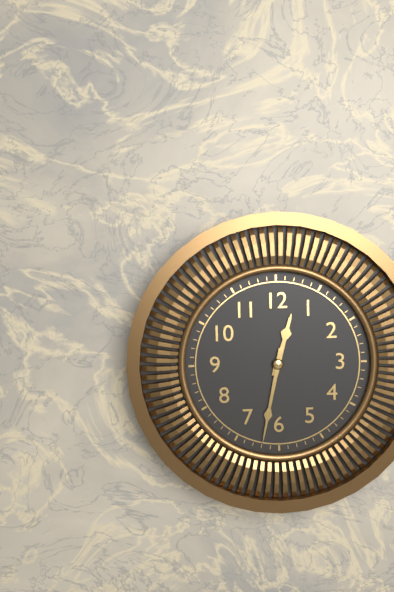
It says 12:32
